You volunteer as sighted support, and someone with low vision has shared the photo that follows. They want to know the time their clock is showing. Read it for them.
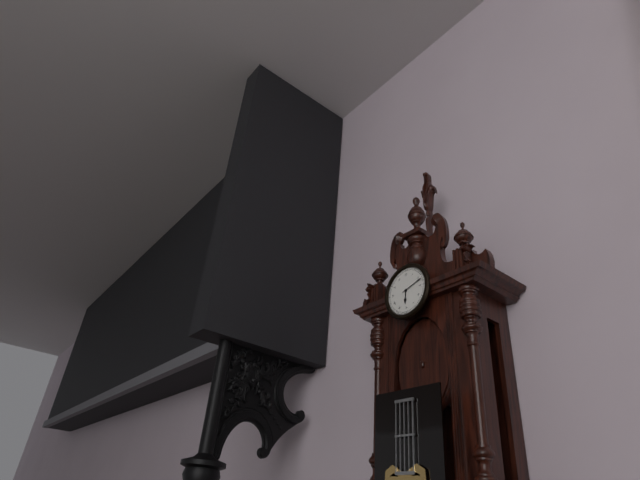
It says 6:12
